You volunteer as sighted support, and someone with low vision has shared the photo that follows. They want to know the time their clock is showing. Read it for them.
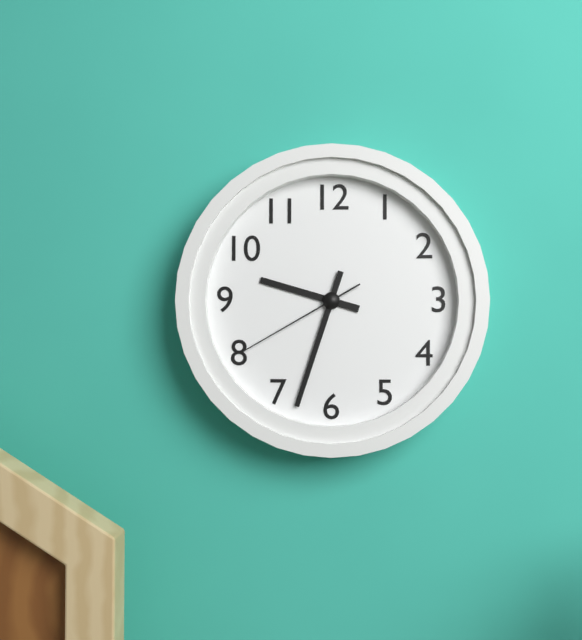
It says 9:33:40
